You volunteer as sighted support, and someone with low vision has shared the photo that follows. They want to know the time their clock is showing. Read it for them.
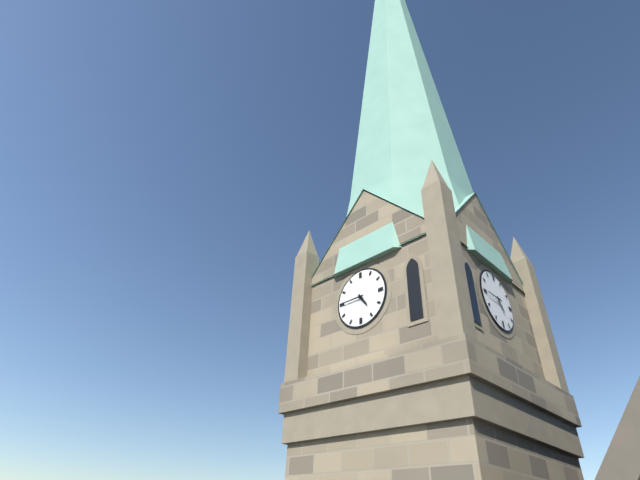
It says 4:45
